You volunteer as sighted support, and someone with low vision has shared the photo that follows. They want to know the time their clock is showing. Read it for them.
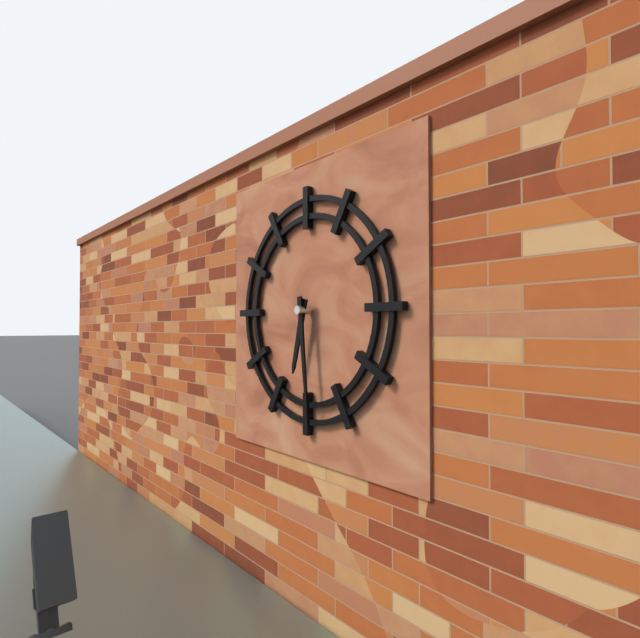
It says 6:29
